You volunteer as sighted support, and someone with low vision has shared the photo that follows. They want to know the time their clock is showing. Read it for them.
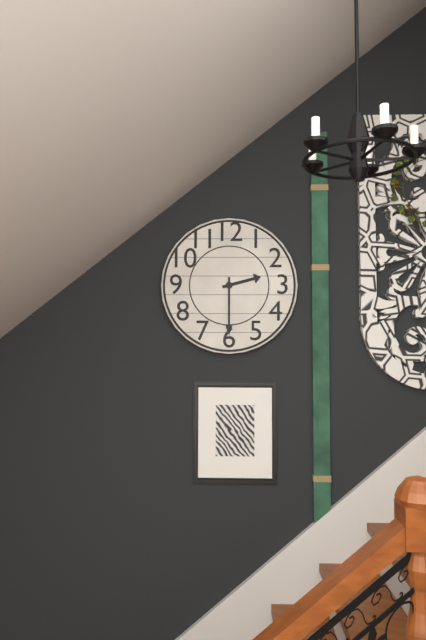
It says 2:30
